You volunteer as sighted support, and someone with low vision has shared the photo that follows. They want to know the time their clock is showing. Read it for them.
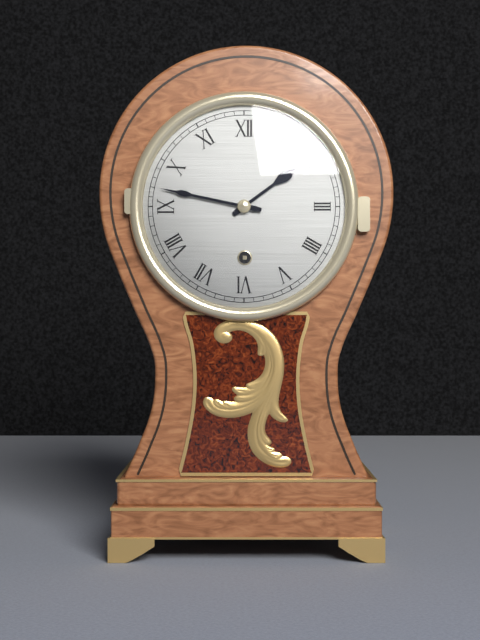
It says 1:47
